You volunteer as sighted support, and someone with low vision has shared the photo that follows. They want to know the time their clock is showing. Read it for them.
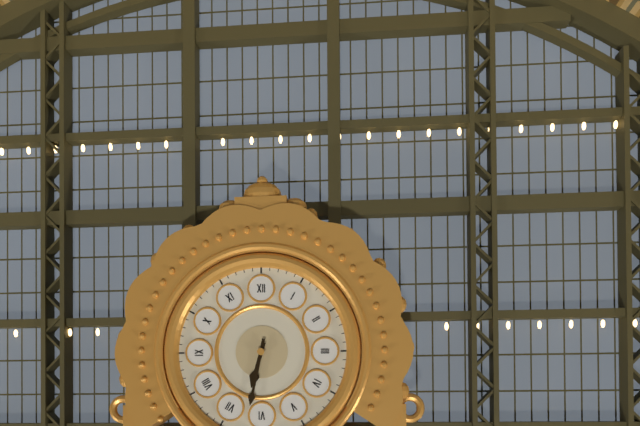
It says 6:32
